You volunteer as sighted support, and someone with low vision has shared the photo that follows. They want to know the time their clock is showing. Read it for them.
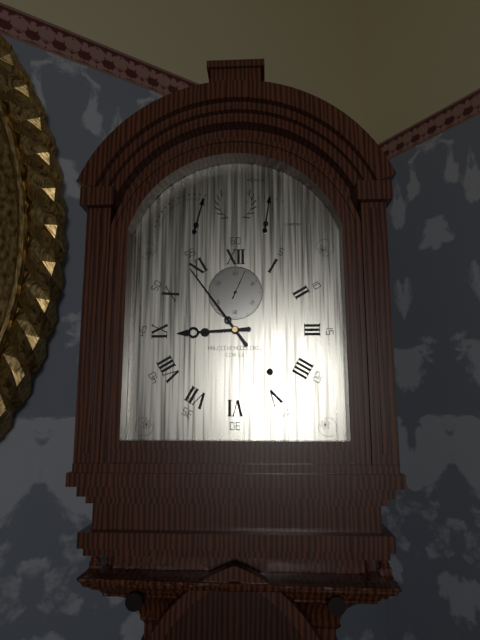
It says 8:54
